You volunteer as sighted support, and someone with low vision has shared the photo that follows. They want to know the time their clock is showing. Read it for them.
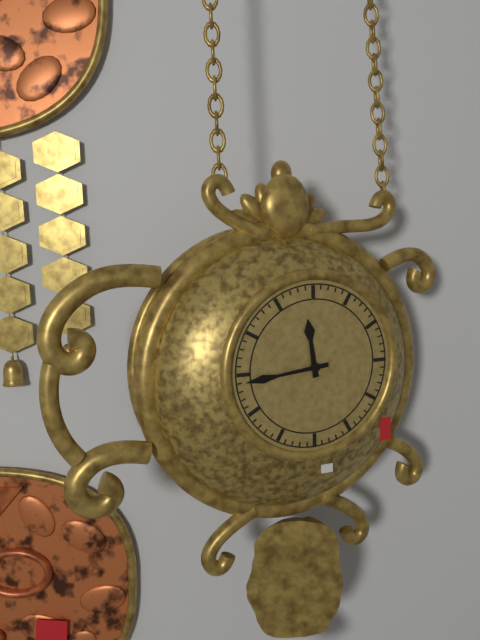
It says 11:44
